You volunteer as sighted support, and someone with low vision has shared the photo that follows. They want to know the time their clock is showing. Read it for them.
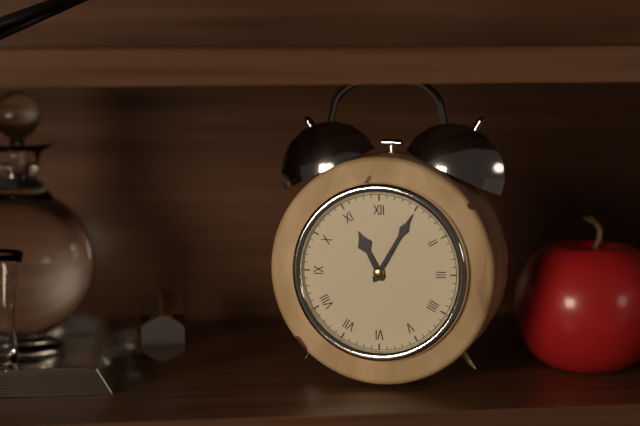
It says 11:05
